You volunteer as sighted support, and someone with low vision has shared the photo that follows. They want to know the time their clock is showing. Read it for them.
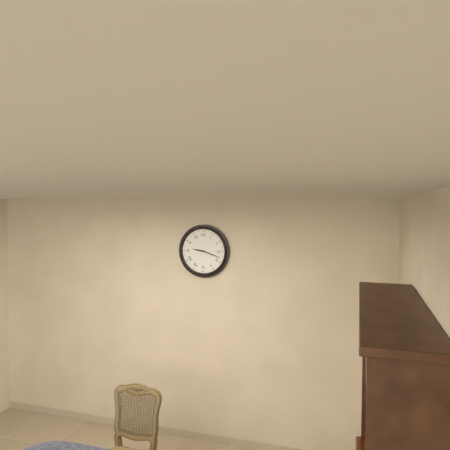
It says 9:18
